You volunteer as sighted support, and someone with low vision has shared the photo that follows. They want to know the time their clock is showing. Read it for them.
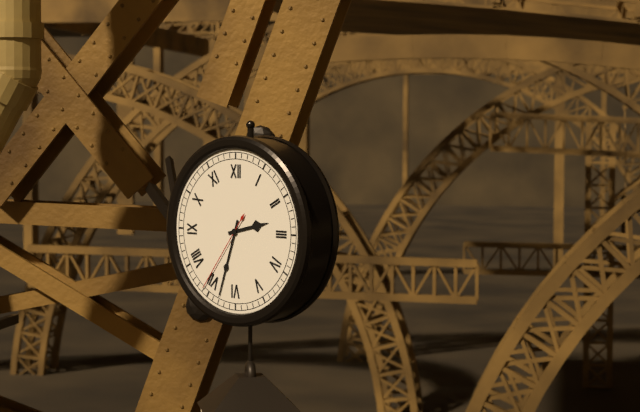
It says 2:33:36
